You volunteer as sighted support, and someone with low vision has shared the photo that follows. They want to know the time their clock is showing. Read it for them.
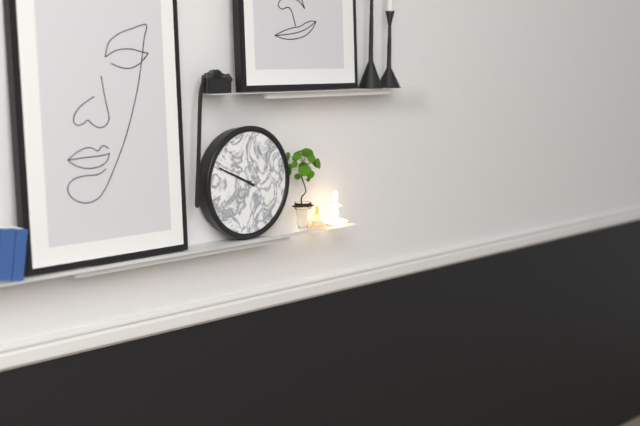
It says 9:49
